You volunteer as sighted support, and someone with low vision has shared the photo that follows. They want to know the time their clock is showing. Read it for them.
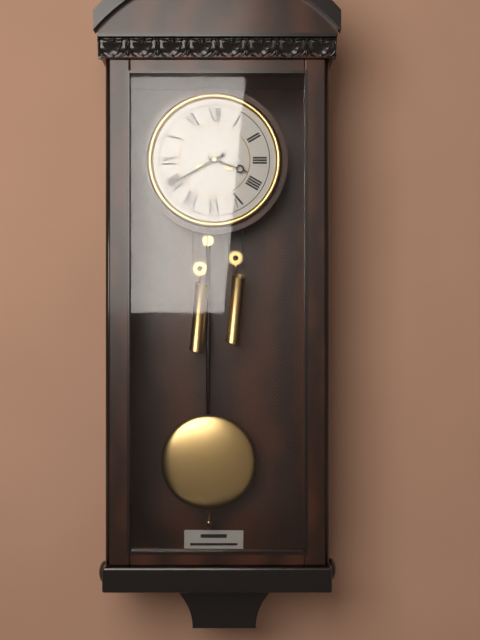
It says 3:40
